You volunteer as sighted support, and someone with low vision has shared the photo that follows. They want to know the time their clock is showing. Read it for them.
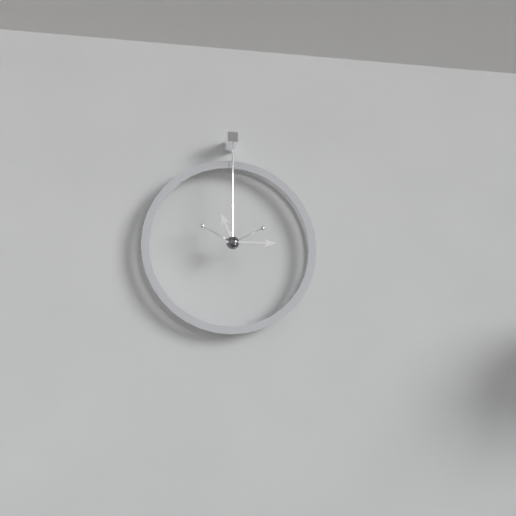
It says 11:15
